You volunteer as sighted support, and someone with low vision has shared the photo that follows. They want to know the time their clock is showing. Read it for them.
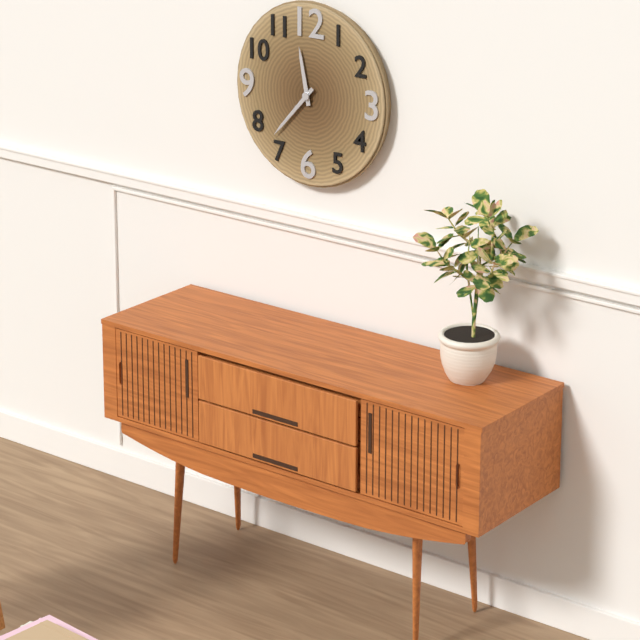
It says 11:37
